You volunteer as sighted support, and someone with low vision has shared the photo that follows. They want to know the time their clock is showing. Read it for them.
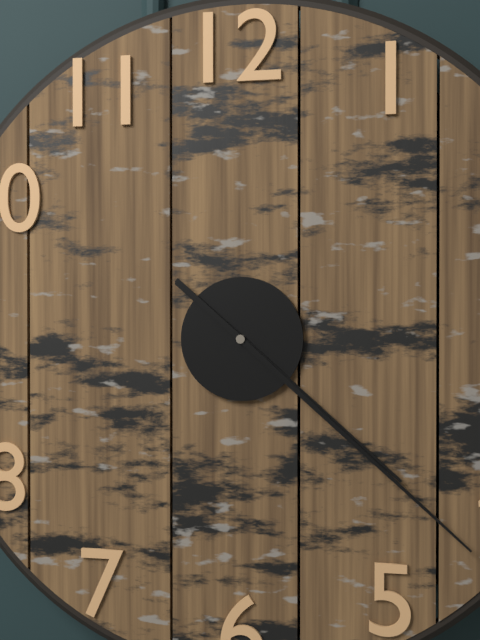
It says 4:22
